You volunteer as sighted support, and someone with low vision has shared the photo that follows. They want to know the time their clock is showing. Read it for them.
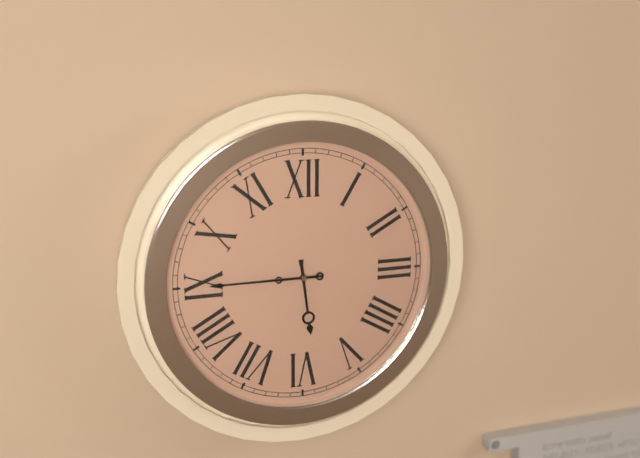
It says 5:45
